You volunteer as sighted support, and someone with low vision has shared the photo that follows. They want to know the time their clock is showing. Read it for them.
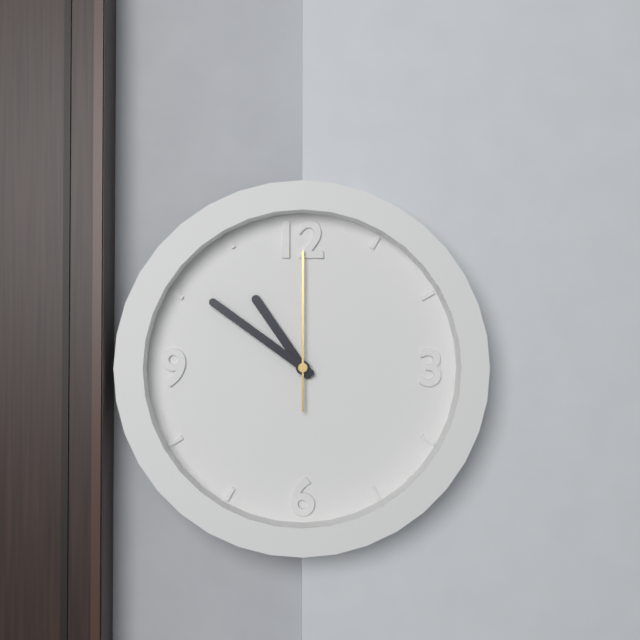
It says 10:51:00
